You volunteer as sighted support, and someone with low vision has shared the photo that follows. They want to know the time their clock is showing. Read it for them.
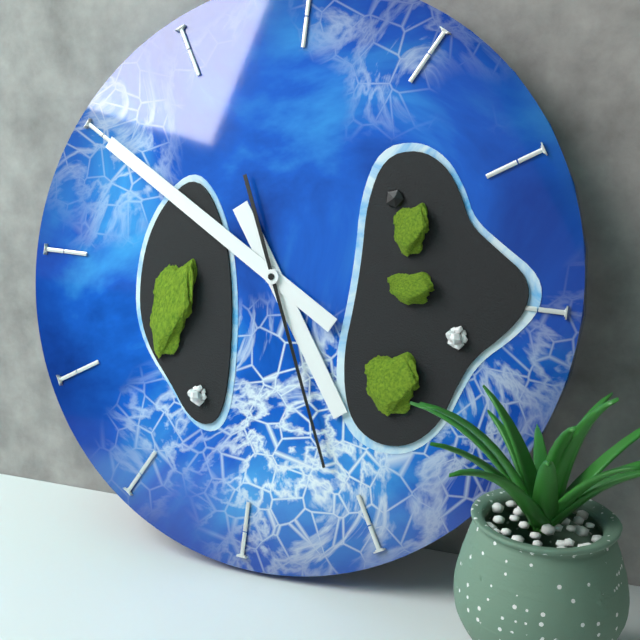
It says 4:50:26
